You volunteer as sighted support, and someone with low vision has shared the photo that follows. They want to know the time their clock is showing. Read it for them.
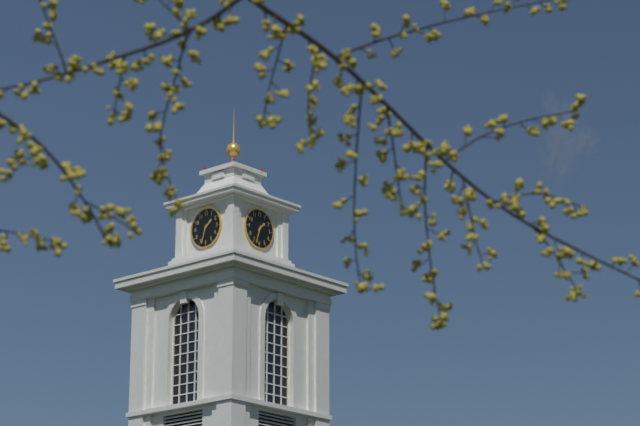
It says 1:33
